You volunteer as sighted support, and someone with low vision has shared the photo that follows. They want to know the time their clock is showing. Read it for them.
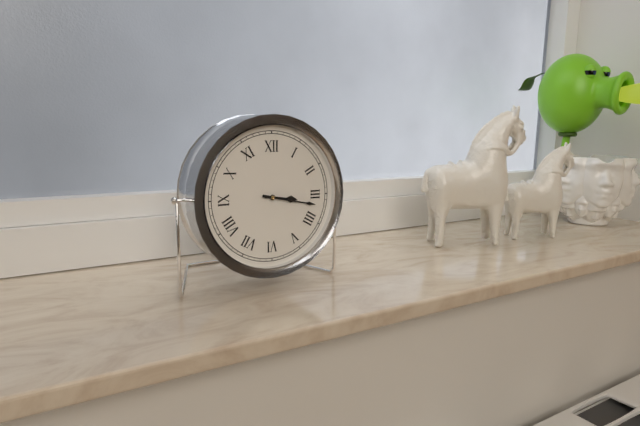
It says 3:17
